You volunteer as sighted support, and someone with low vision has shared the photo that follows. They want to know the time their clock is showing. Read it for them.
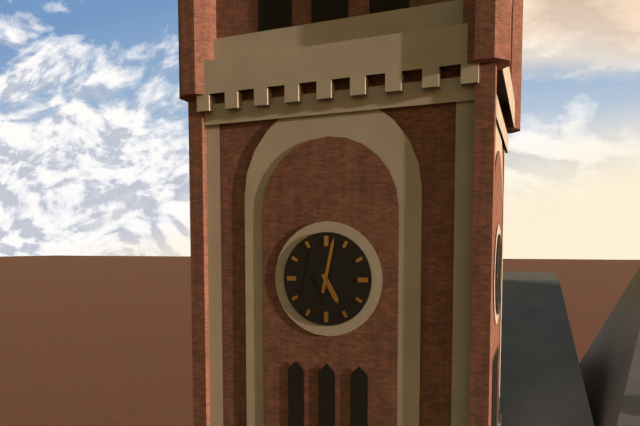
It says 5:02
